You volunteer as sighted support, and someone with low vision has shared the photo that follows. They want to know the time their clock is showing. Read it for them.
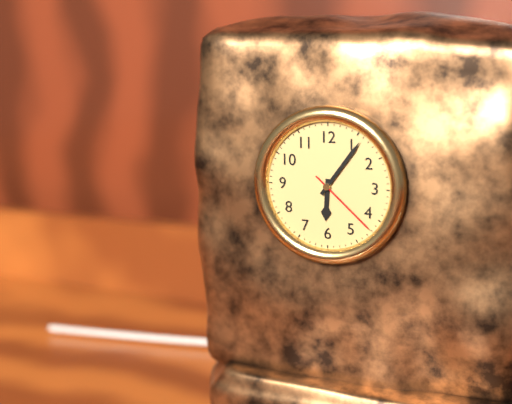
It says 6:06:22
